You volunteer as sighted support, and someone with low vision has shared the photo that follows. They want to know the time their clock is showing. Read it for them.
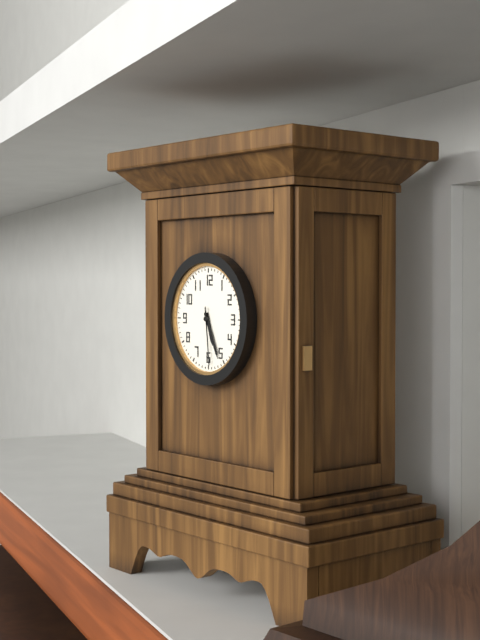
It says 5:26:29
